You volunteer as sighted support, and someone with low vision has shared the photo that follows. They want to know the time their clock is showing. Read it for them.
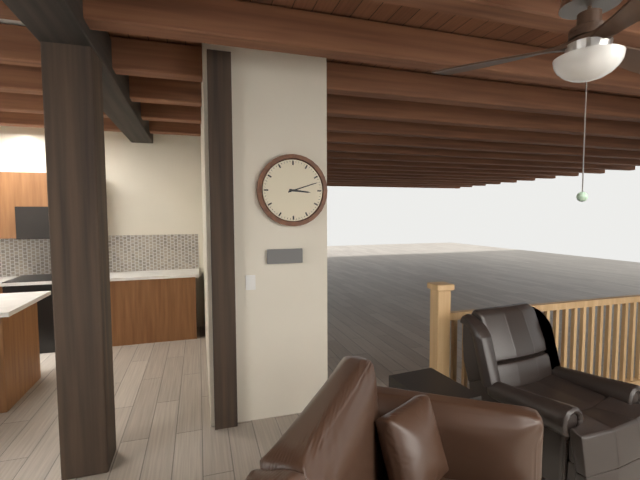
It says 3:12
